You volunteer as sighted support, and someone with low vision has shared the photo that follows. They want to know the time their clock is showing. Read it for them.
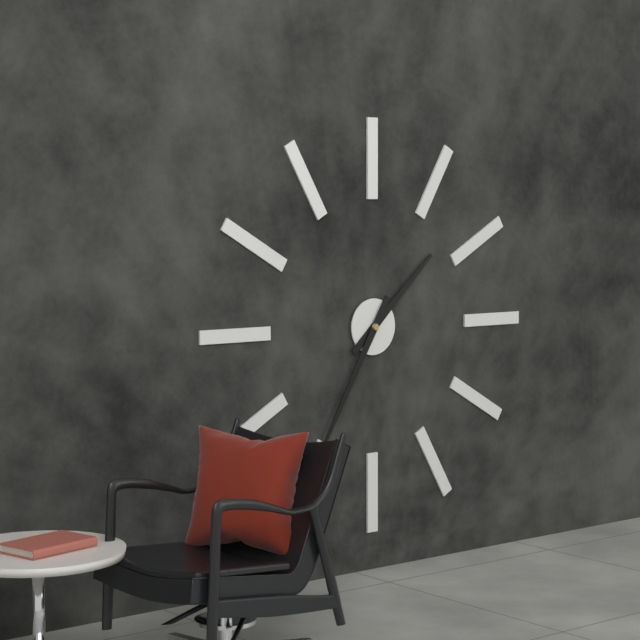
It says 1:35
